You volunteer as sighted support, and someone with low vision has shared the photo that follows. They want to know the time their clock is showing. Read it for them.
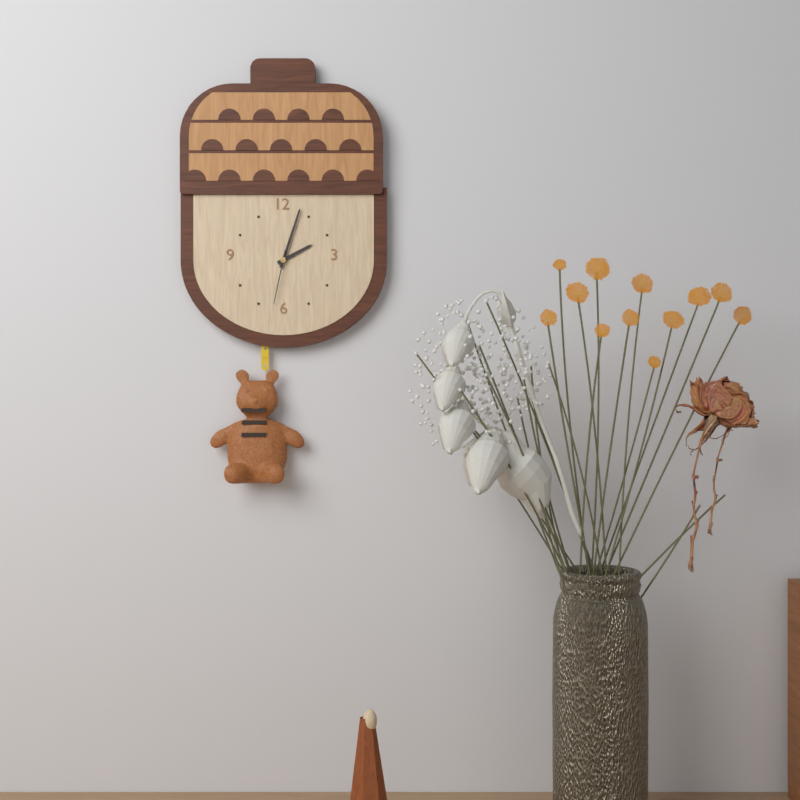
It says 2:03:32
